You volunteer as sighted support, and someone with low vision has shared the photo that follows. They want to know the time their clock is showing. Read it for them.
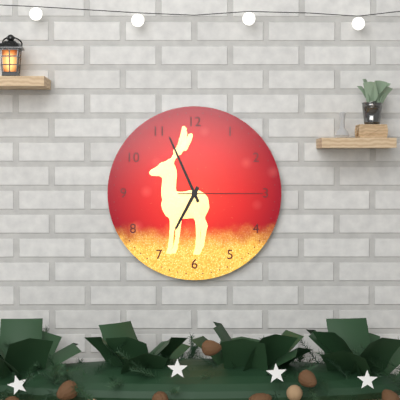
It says 6:56:15
